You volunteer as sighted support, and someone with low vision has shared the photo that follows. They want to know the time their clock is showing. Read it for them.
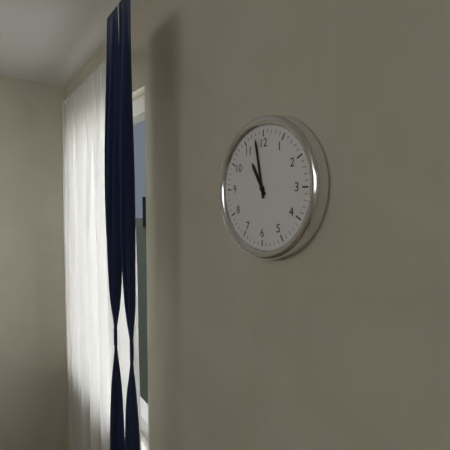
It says 10:58
